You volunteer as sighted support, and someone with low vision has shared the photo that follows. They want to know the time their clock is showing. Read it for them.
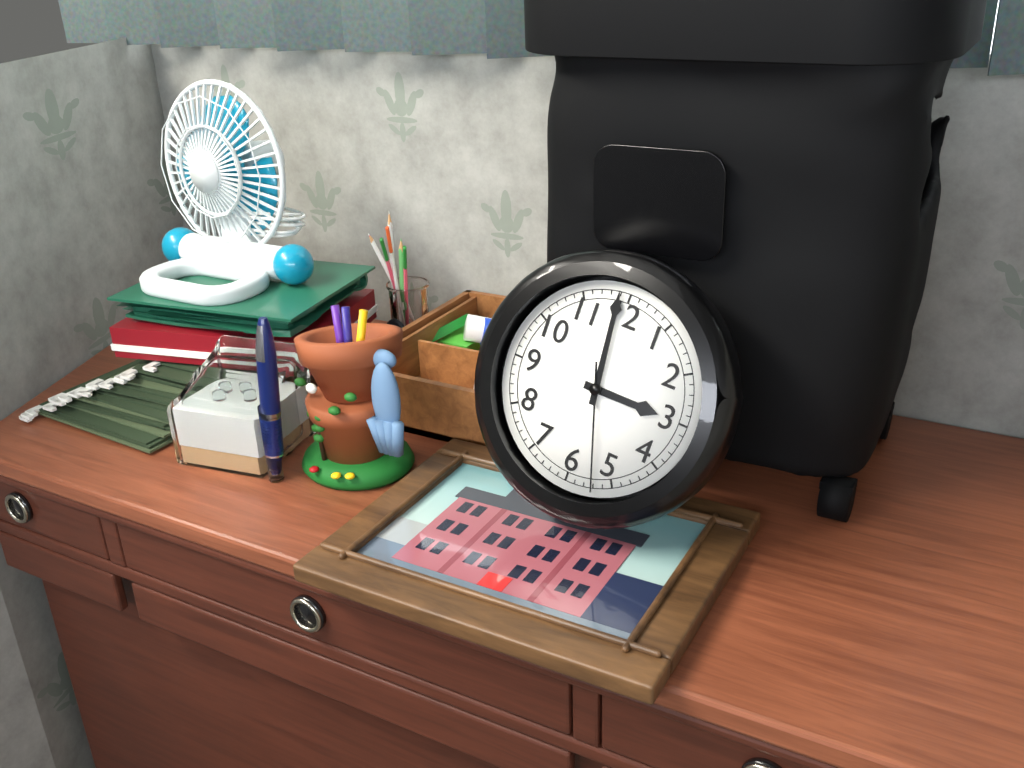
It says 2:59:27
